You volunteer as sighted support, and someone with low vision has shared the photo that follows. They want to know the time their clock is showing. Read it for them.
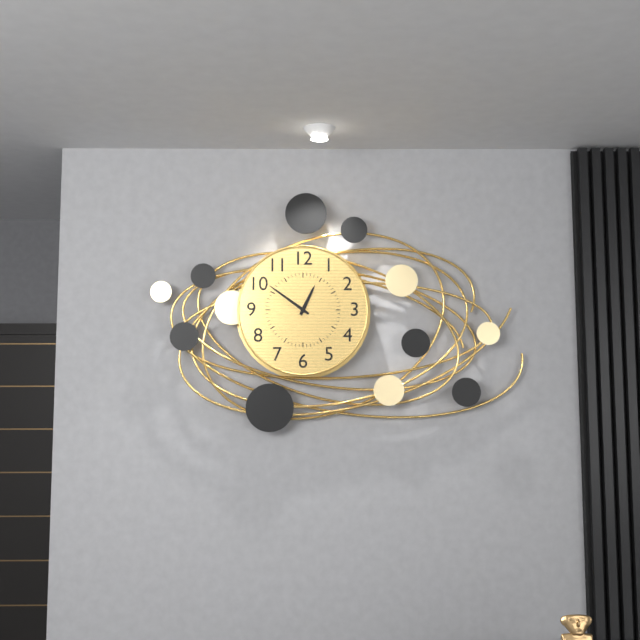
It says 12:51
